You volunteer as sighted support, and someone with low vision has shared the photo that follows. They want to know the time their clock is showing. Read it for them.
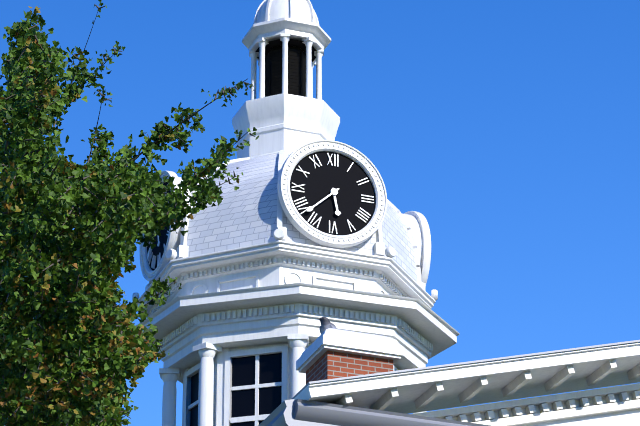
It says 5:38
